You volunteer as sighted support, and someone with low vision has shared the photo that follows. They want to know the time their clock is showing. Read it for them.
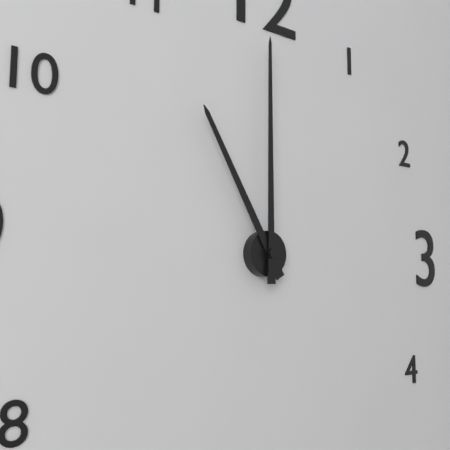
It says 11:00
